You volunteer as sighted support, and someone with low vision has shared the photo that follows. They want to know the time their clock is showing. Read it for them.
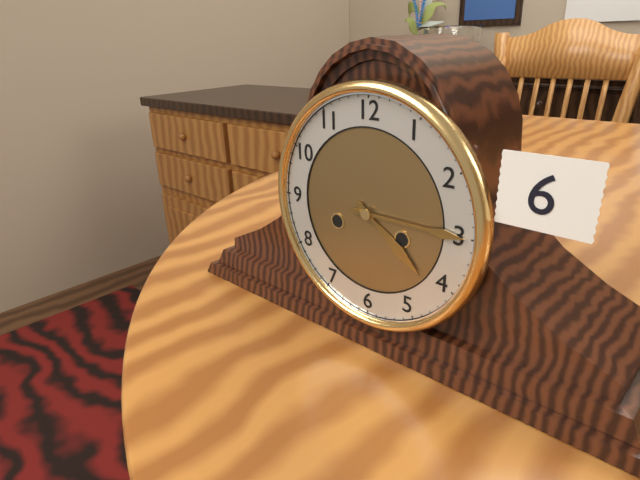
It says 4:15
